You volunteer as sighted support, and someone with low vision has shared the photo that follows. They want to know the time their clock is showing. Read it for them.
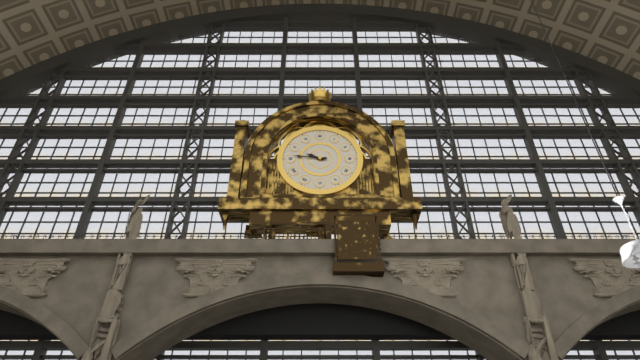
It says 9:46
